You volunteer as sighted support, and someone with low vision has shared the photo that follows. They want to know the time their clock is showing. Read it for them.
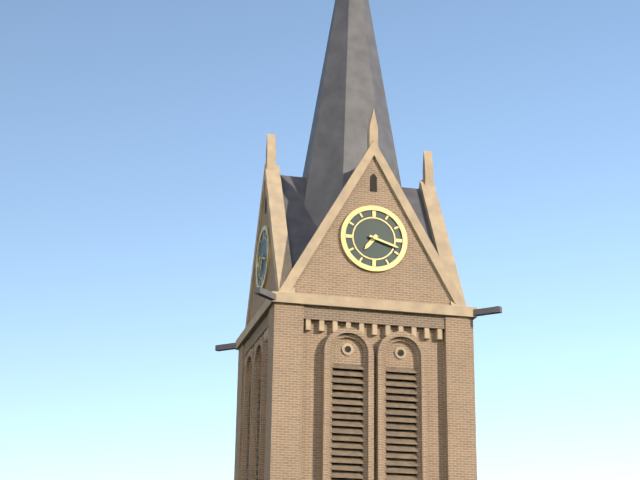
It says 7:18
